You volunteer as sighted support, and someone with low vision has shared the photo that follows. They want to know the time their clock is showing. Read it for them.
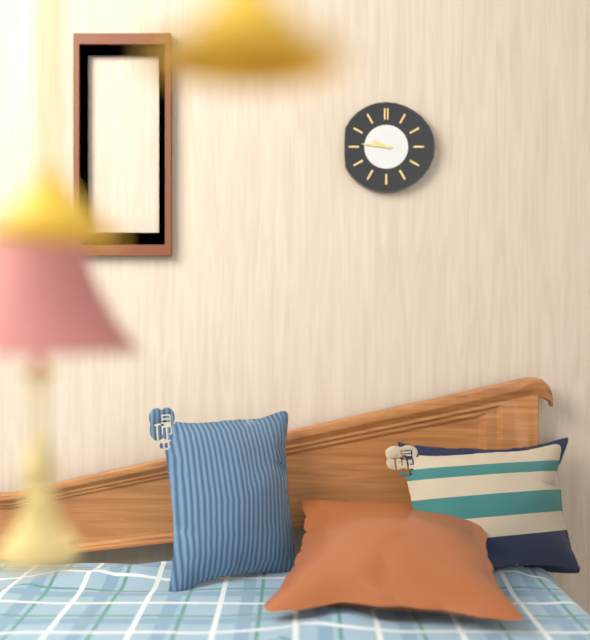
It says 9:46
